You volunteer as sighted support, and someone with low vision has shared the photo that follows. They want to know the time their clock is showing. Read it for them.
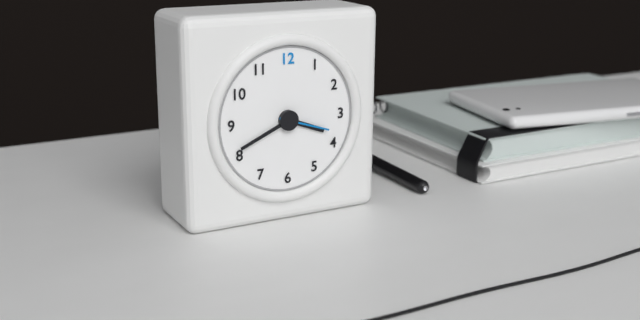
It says 3:41:18
